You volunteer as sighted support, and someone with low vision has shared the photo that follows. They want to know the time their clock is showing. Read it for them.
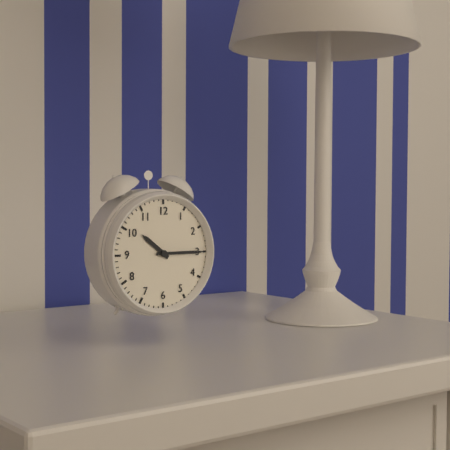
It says 10:15
